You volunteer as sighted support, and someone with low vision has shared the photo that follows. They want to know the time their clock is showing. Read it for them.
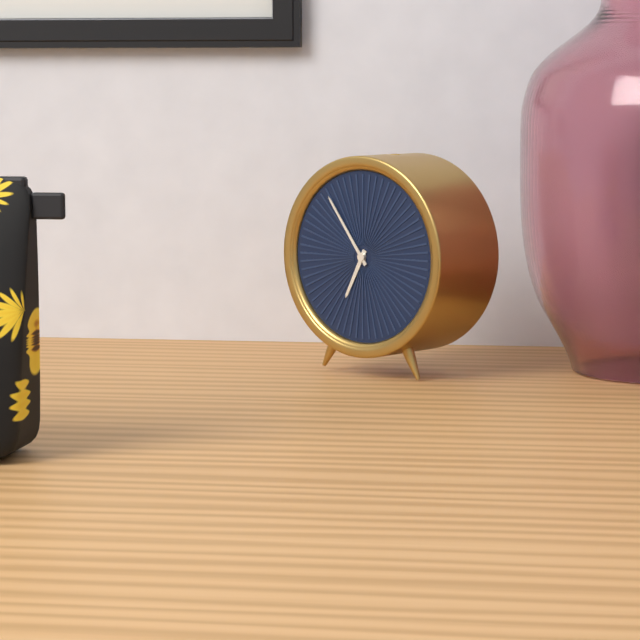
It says 6:54
